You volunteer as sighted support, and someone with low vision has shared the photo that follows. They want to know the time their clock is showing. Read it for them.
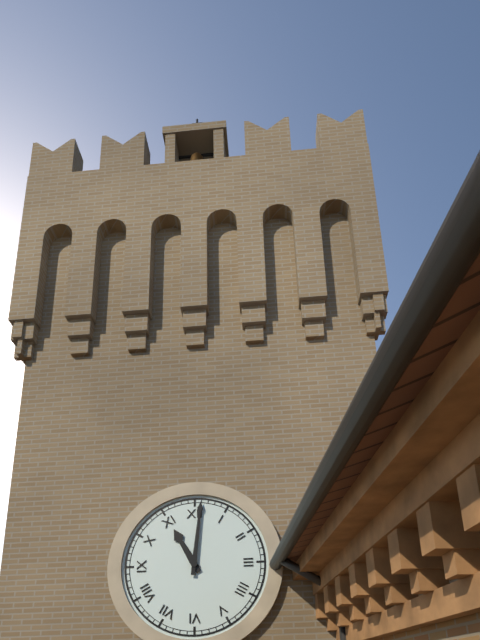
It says 11:01
